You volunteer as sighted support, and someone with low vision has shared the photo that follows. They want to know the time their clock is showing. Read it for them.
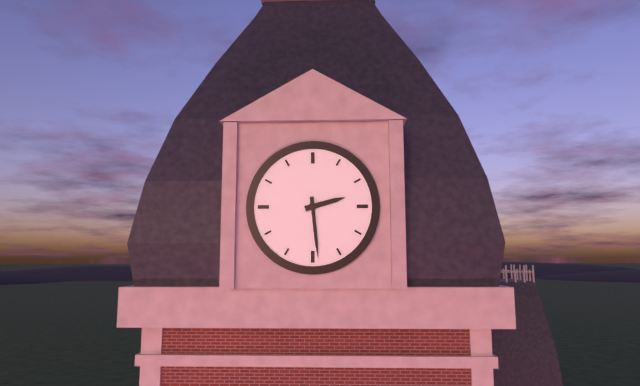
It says 2:29
